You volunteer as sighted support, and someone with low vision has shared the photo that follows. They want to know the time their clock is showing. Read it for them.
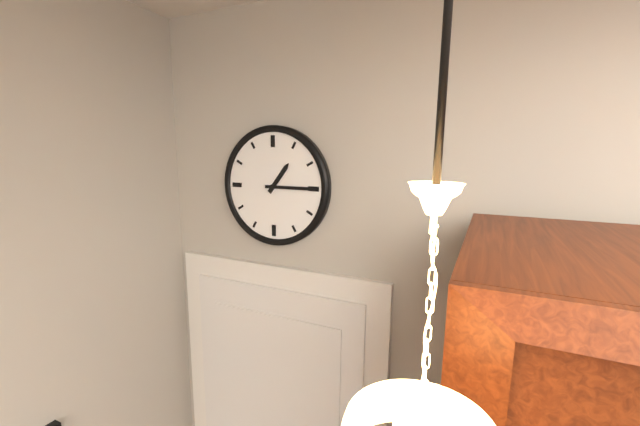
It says 1:15
